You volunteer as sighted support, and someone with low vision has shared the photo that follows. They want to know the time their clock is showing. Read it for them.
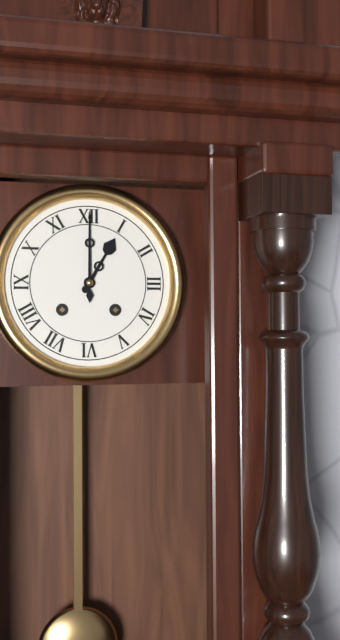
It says 1:00
